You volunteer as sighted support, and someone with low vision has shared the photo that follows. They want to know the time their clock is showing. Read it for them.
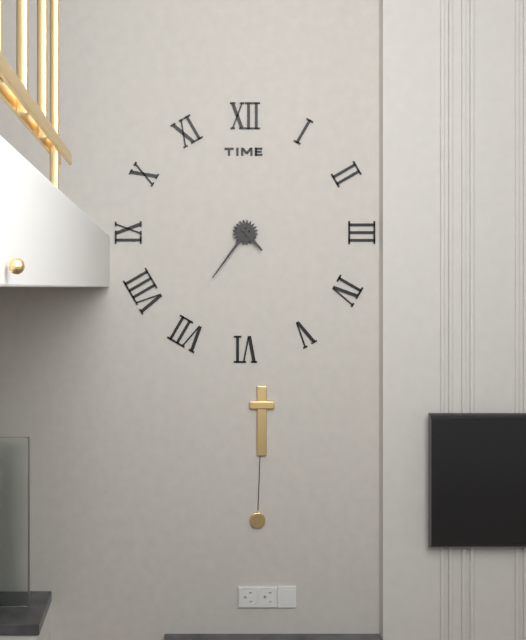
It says 4:36
